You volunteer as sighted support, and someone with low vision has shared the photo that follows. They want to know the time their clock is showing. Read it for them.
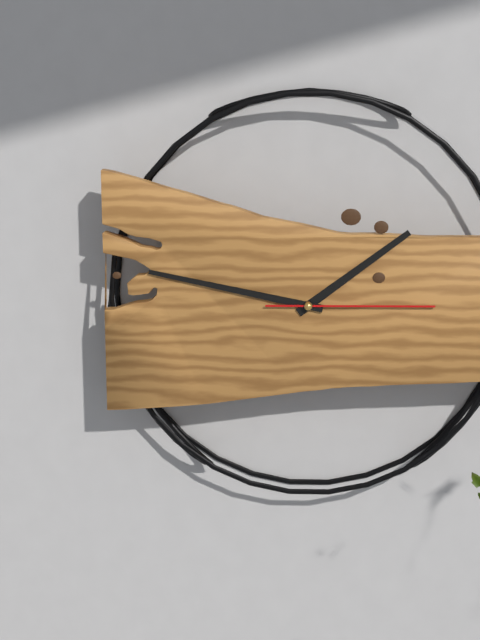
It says 1:47:15
